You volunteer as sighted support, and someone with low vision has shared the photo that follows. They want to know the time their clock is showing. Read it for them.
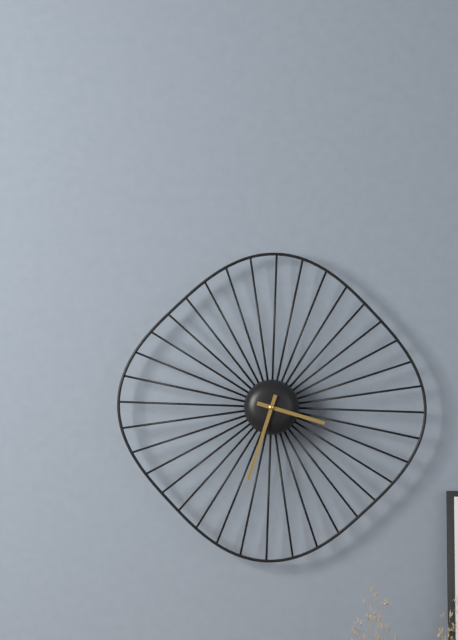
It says 3:33
